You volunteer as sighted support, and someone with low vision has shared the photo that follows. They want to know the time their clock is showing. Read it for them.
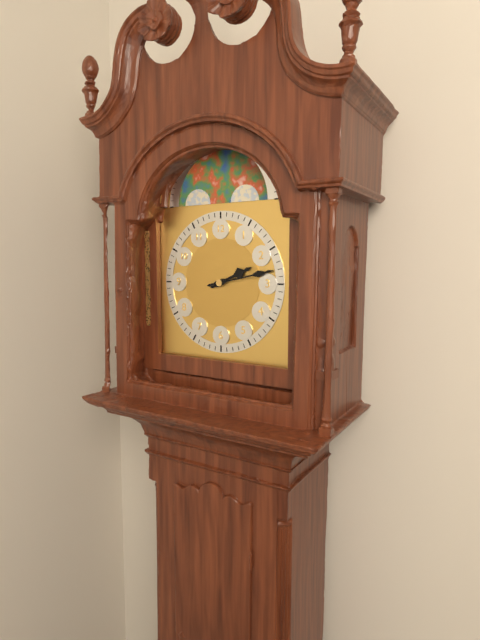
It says 2:13
